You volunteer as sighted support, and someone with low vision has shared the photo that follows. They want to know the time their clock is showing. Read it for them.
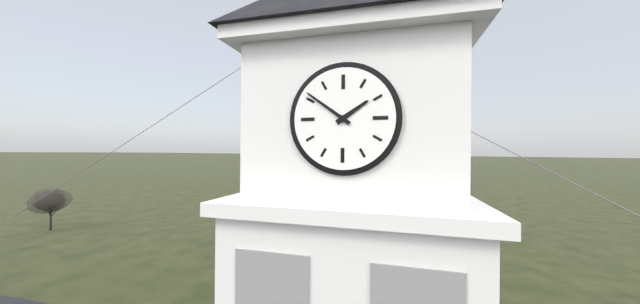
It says 1:51
